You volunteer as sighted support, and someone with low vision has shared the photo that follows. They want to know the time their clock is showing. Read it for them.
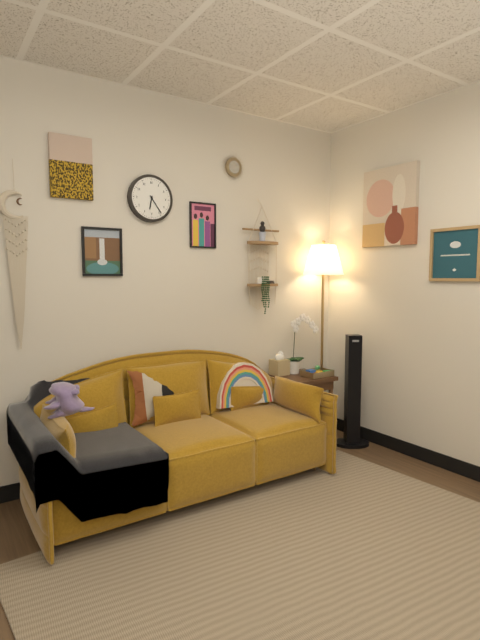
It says 6:24
